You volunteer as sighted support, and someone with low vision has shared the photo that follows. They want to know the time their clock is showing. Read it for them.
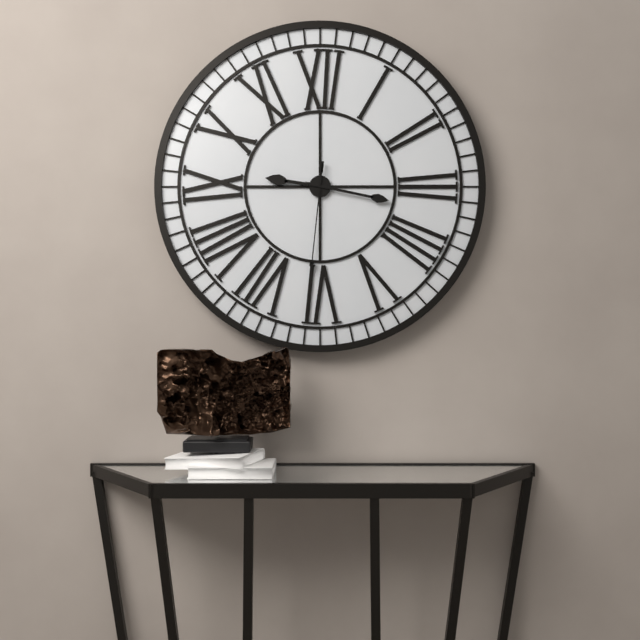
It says 9:17:31
